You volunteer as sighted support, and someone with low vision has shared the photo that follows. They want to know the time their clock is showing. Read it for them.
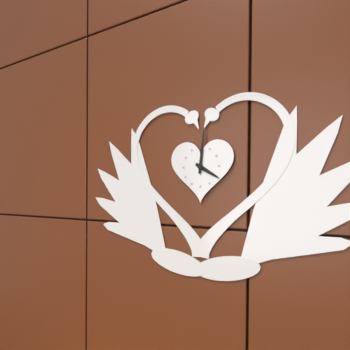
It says 4:01
